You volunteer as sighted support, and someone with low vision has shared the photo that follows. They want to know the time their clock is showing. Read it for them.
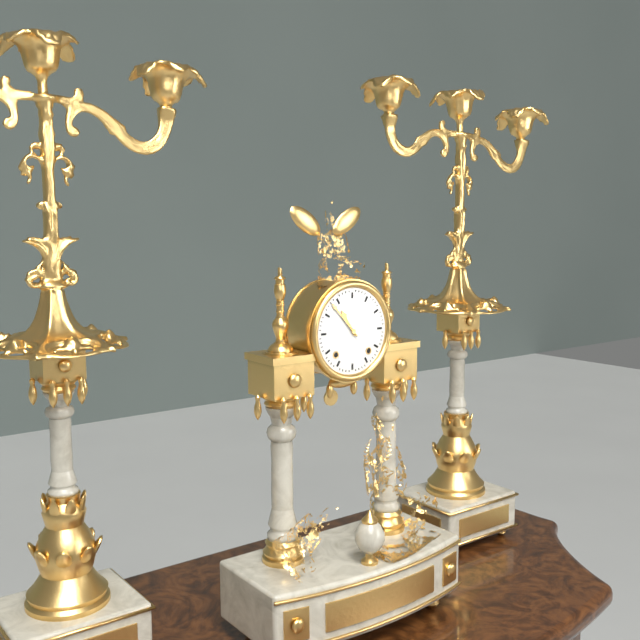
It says 10:53
